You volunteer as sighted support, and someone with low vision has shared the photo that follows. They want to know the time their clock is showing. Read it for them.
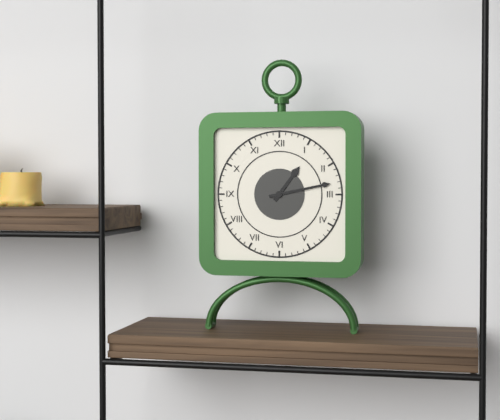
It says 1:13
